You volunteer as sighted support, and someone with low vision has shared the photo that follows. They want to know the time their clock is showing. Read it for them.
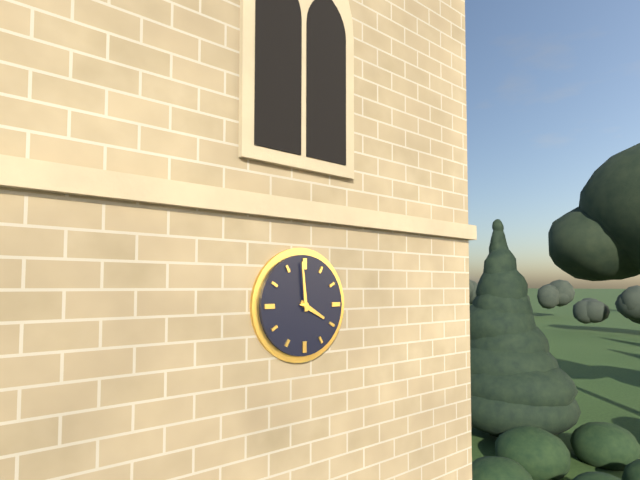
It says 3:59
